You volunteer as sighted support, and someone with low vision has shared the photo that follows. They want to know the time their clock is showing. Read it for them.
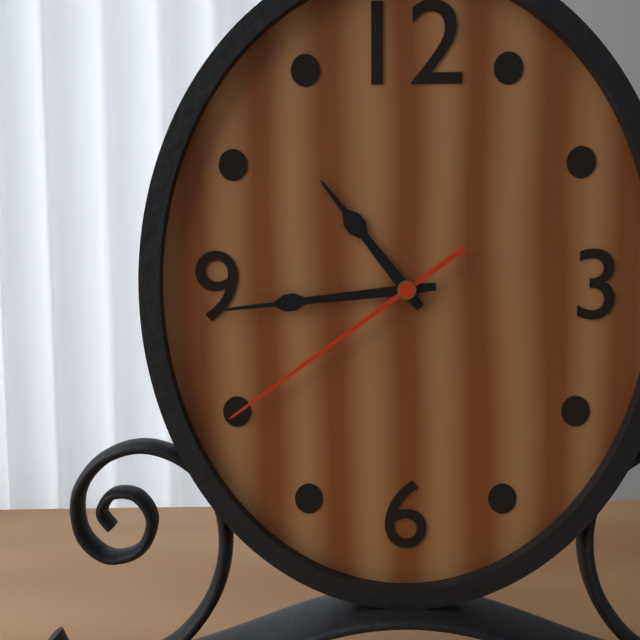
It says 10:44:39
